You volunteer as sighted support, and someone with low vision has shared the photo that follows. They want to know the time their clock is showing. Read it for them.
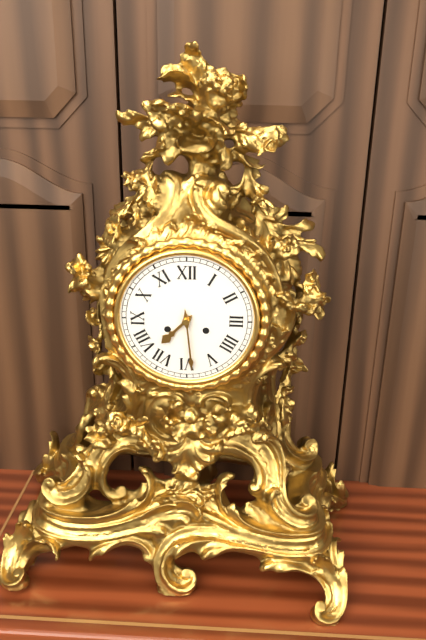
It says 7:29
